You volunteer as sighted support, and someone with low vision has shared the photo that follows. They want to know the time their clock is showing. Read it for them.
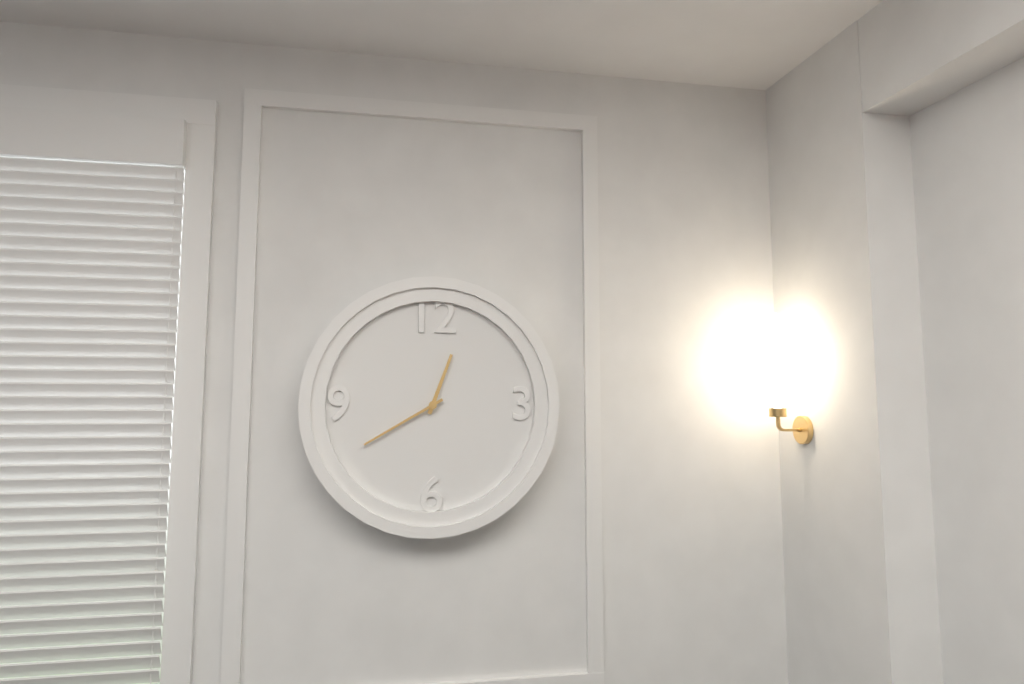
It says 12:40
